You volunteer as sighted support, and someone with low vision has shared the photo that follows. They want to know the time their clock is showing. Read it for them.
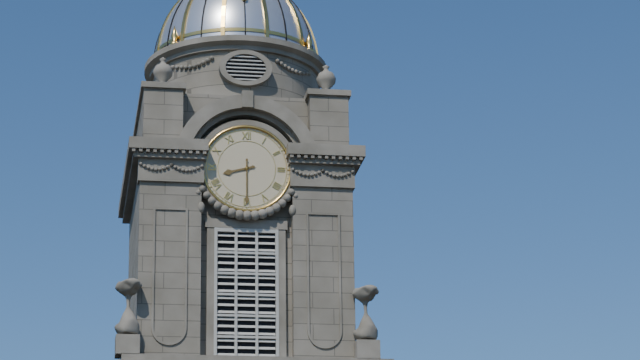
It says 8:30
